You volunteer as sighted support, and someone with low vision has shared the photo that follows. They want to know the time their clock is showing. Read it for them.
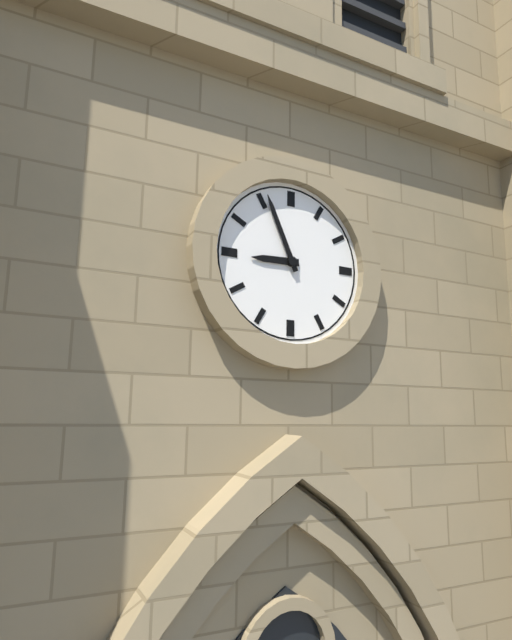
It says 8:56
